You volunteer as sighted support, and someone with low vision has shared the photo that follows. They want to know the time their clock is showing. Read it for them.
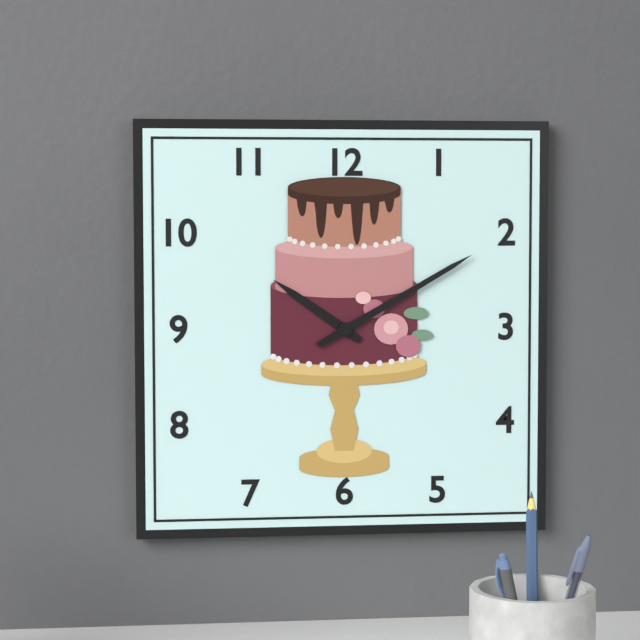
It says 10:10
